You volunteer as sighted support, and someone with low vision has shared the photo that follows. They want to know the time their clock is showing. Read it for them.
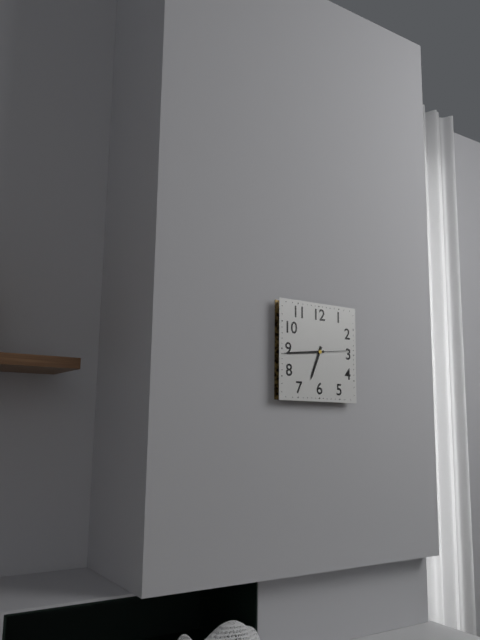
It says 6:44
